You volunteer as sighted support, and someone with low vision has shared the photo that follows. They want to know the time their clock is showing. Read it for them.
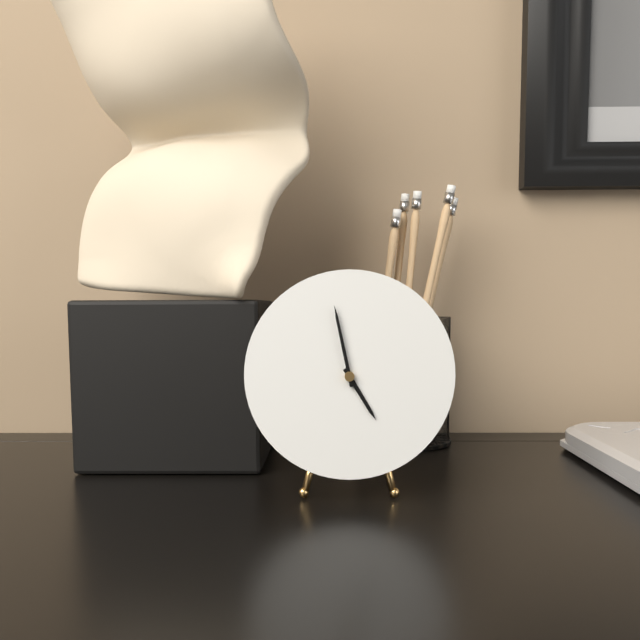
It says 4:58
